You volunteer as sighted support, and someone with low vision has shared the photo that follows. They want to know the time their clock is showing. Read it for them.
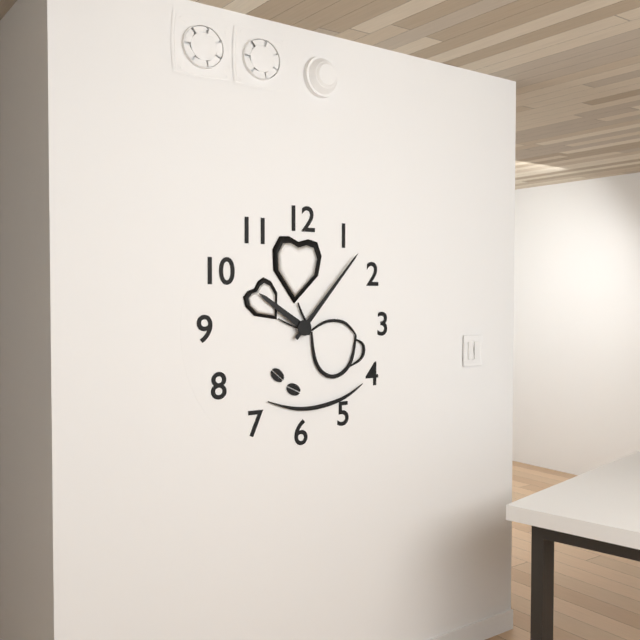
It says 10:07
